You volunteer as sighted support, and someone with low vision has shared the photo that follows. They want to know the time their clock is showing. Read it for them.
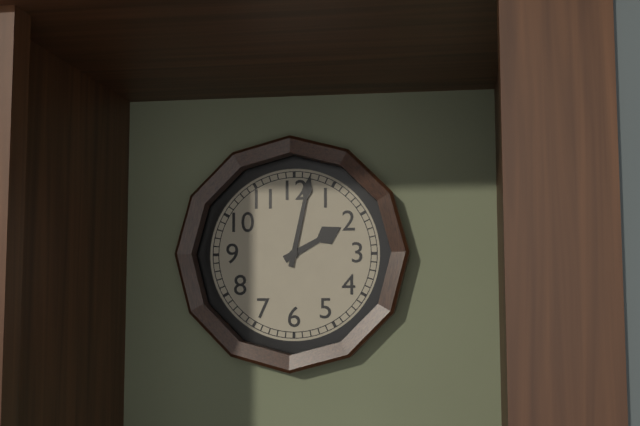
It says 2:02
